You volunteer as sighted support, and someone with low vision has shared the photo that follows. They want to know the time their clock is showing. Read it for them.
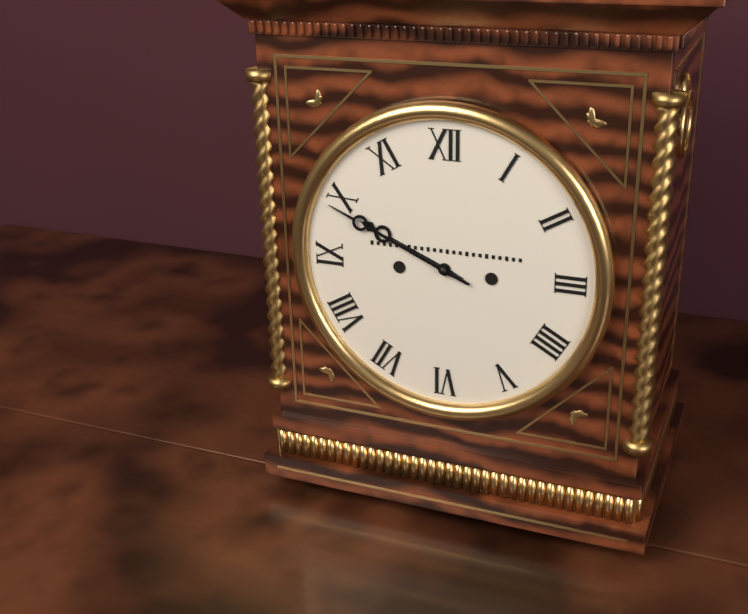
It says 9:49
